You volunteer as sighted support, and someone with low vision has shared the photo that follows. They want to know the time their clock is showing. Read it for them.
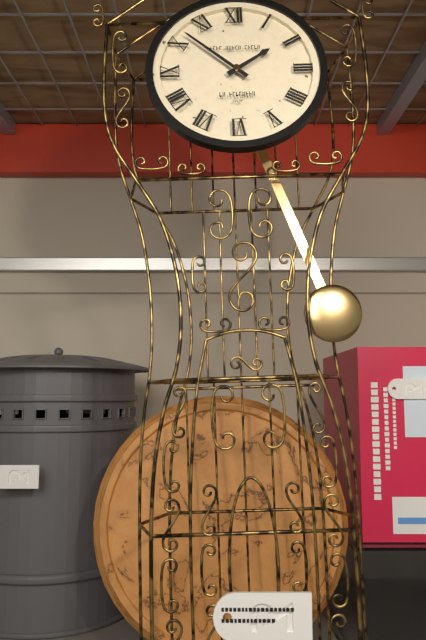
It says 1:52
